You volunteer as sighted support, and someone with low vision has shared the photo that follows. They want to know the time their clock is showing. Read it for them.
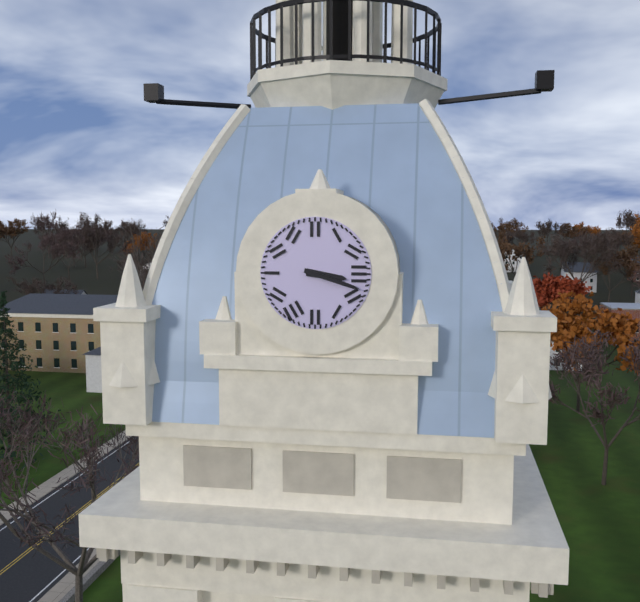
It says 3:18
